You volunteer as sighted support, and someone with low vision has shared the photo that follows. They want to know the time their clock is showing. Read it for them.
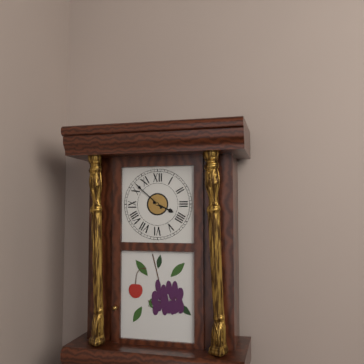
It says 3:52
